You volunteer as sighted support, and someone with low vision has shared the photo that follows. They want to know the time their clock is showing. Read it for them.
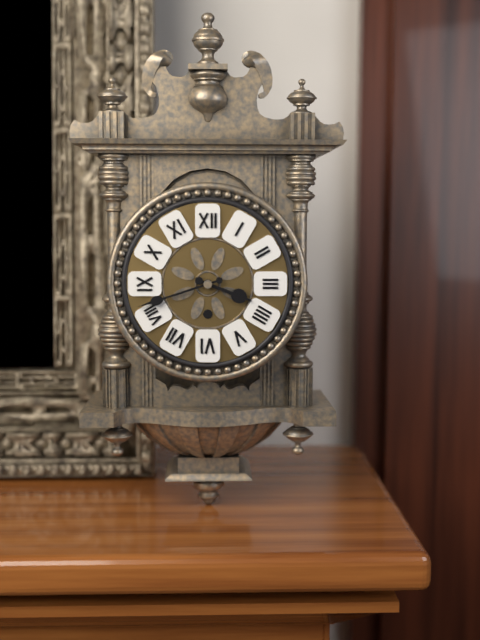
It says 3:42
